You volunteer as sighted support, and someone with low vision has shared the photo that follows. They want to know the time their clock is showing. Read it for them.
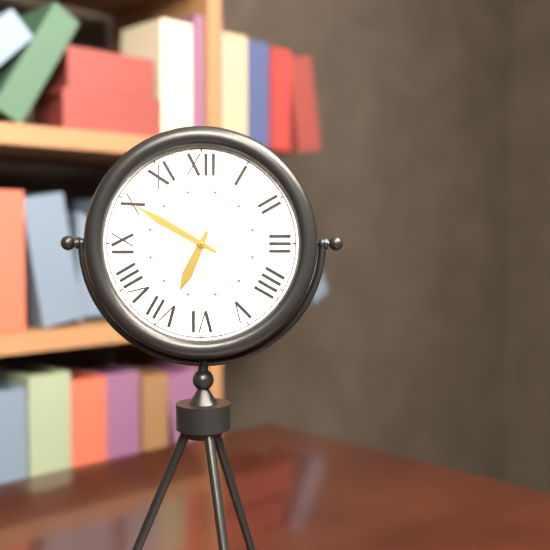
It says 6:50
